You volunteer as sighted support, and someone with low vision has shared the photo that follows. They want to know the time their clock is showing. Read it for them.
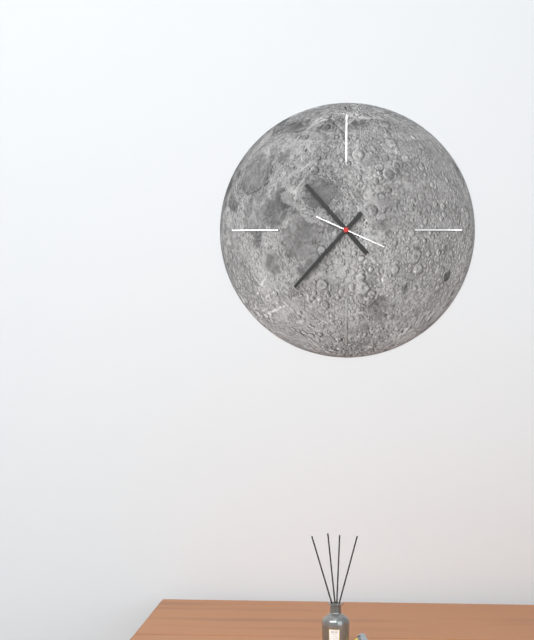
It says 10:37:19
